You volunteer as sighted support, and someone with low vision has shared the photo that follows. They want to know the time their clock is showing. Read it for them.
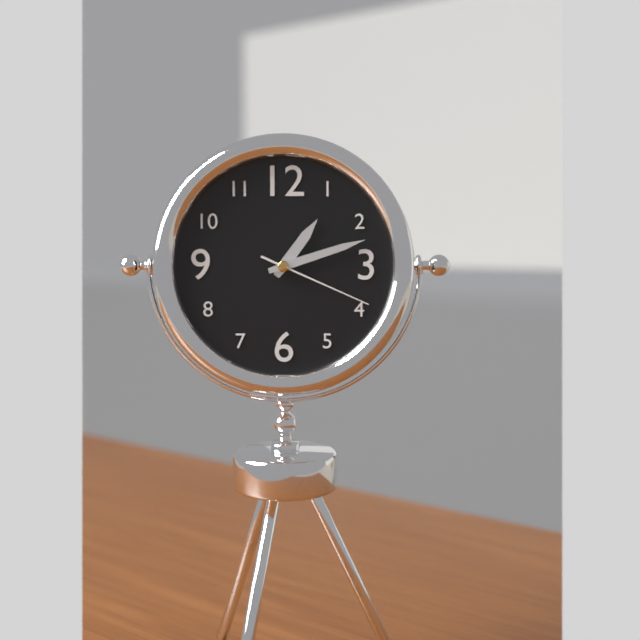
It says 1:12:19
